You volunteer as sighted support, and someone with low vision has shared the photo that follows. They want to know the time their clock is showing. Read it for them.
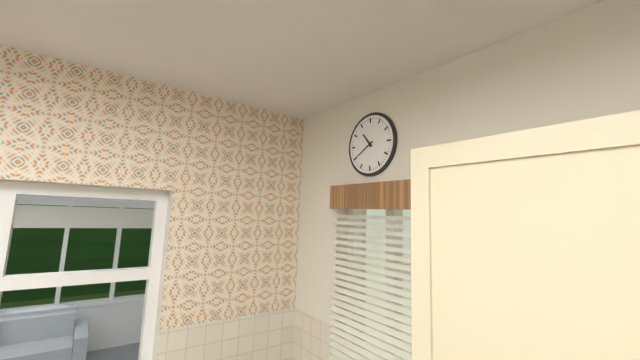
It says 10:40
